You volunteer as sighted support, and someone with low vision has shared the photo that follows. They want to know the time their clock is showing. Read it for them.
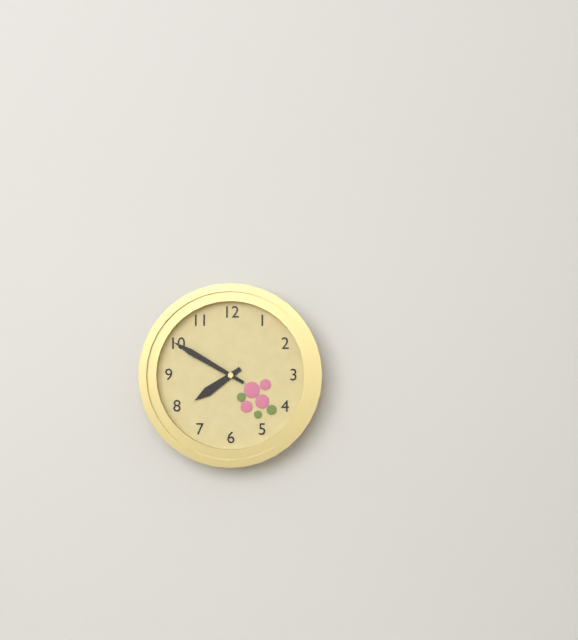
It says 7:50
